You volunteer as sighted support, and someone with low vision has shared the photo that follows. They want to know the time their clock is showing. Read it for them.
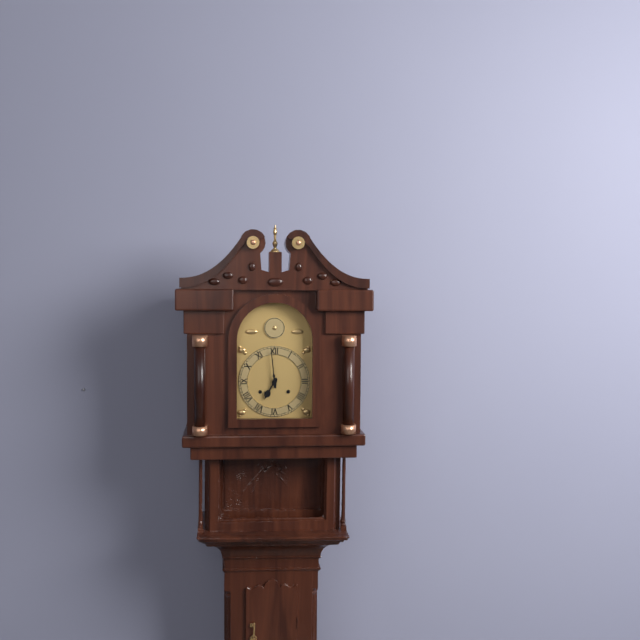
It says 6:59
